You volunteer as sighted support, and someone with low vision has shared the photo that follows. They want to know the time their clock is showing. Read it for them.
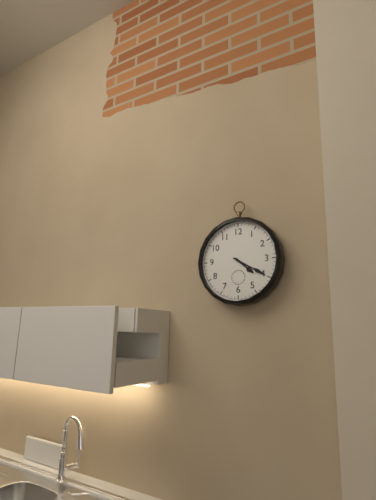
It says 4:20
